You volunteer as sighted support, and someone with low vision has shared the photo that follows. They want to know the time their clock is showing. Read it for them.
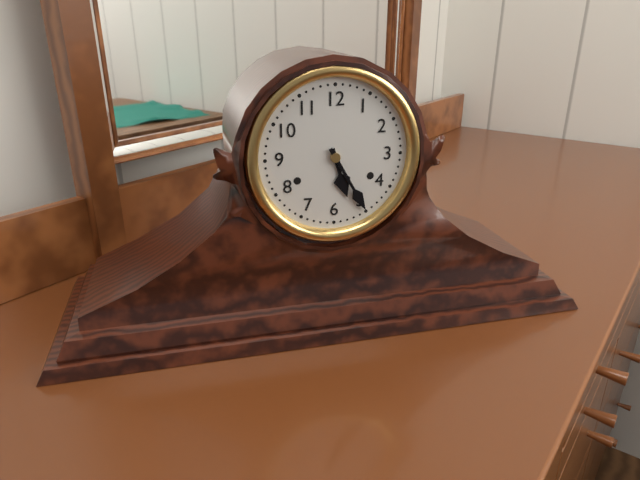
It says 5:25
